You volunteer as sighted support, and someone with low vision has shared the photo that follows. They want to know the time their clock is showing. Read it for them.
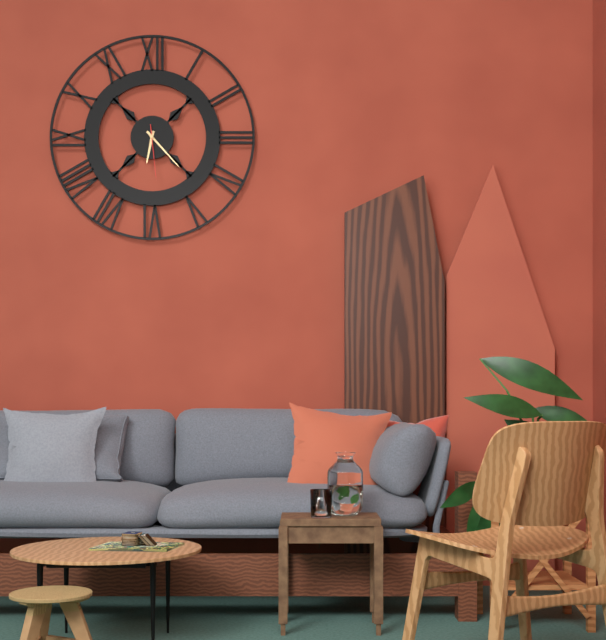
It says 6:23:29
